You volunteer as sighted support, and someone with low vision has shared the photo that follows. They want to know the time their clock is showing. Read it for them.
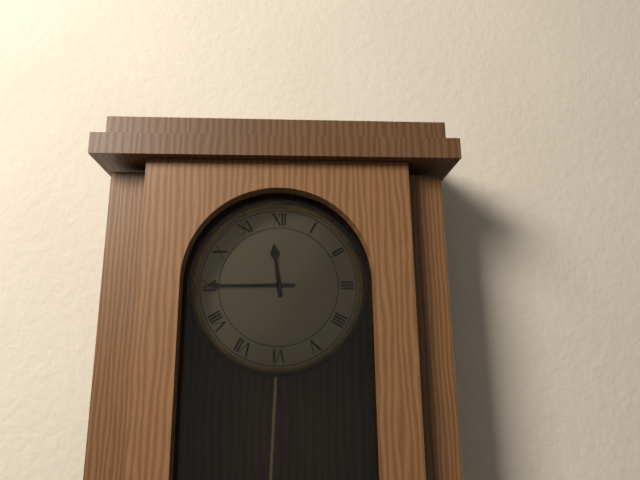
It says 11:45
